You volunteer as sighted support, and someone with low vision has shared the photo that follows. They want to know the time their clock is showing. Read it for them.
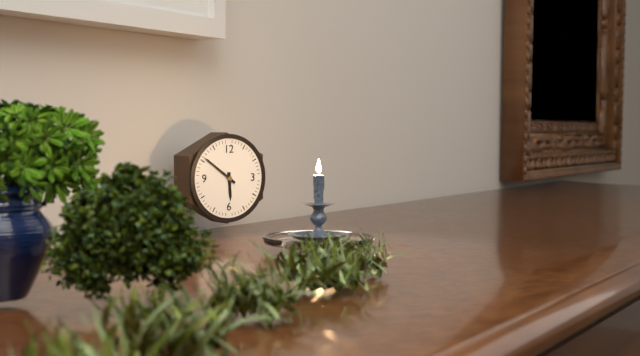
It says 5:51
